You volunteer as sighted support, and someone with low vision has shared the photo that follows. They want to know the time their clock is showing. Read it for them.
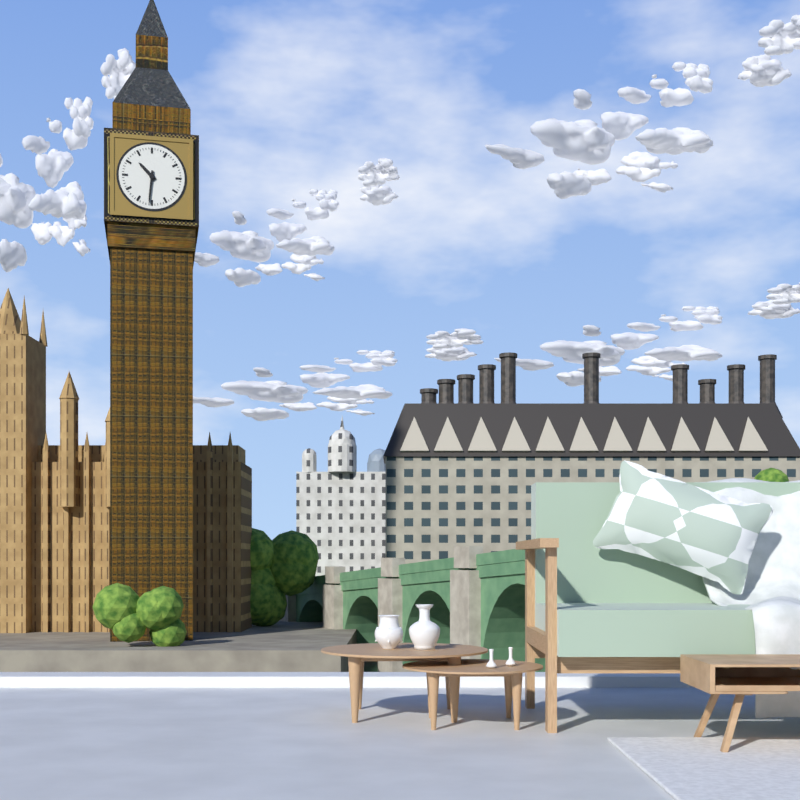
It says 10:31
